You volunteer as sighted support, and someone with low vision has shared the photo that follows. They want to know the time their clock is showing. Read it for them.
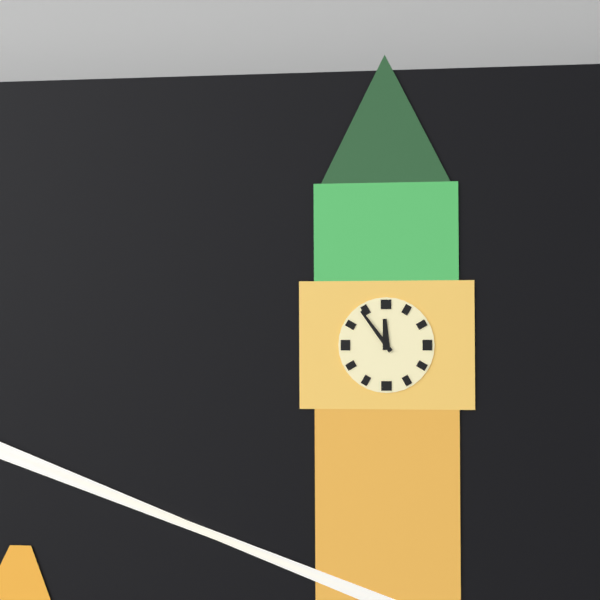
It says 11:54
